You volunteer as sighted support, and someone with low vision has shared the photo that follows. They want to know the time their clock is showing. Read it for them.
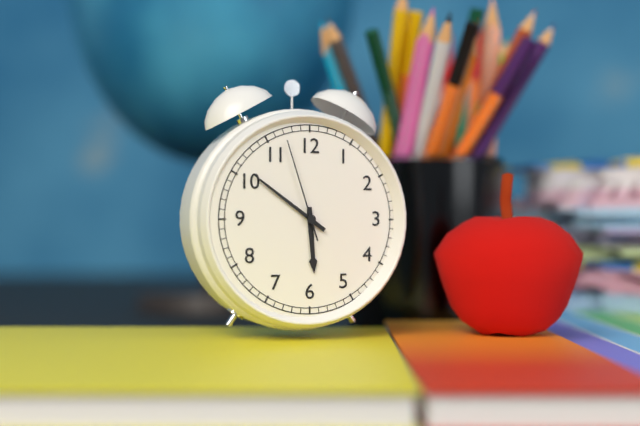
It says 5:51:57
